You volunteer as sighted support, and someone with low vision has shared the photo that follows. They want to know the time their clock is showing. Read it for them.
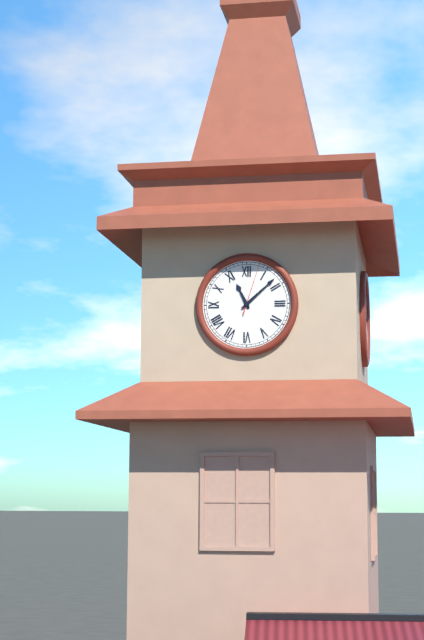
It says 11:08:03
